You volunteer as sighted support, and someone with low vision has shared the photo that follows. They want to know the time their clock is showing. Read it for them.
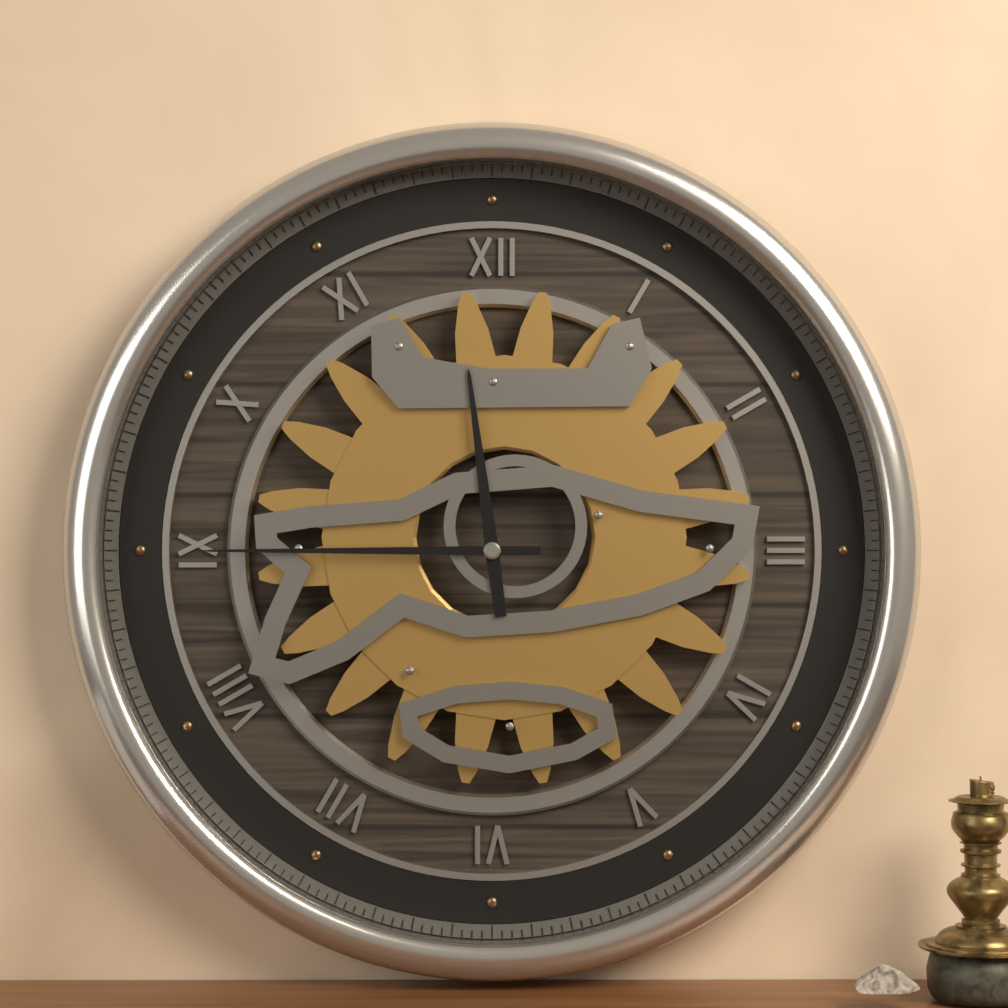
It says 11:45
